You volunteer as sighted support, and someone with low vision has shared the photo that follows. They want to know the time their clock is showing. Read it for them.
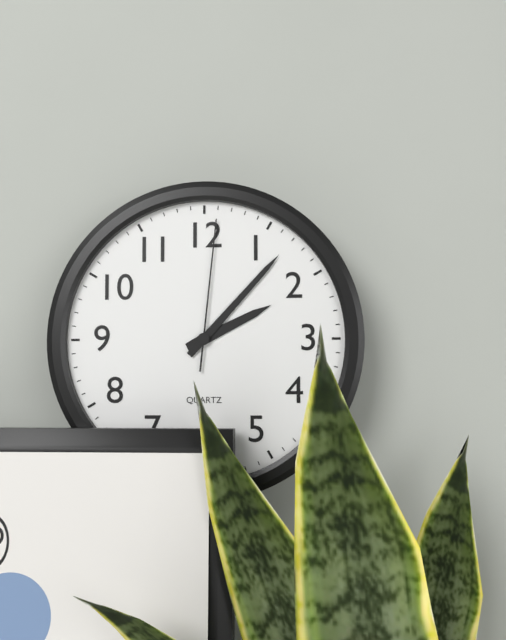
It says 2:07:01
